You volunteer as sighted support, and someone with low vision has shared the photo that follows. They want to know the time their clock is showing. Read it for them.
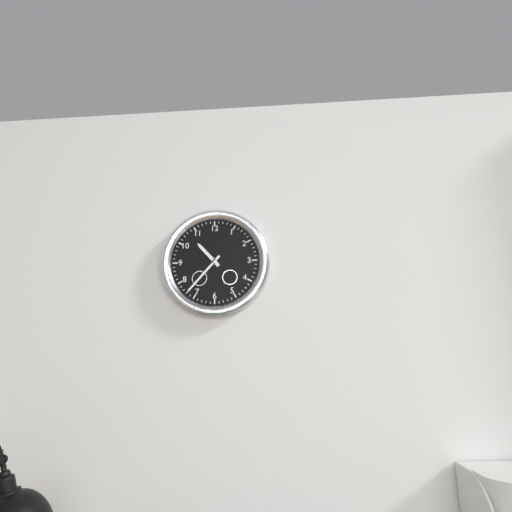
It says 10:37
